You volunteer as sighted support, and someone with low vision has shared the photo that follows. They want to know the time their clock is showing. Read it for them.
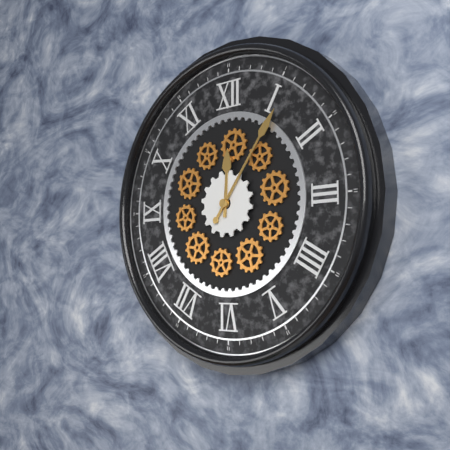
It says 12:06
